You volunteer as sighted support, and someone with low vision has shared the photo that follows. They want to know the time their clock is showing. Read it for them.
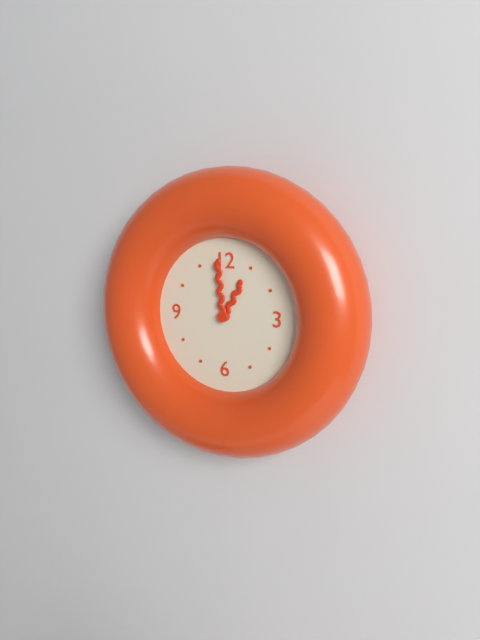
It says 12:59
